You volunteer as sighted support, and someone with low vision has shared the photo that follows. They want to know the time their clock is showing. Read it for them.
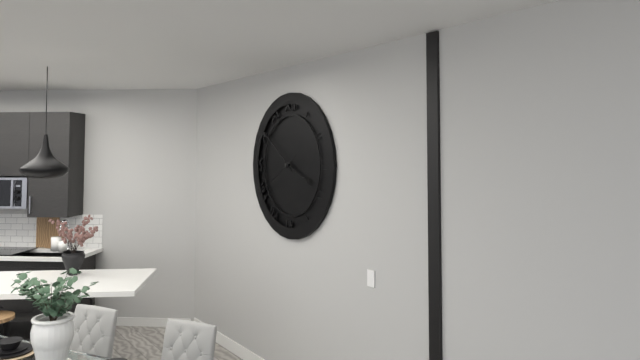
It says 3:51:40
